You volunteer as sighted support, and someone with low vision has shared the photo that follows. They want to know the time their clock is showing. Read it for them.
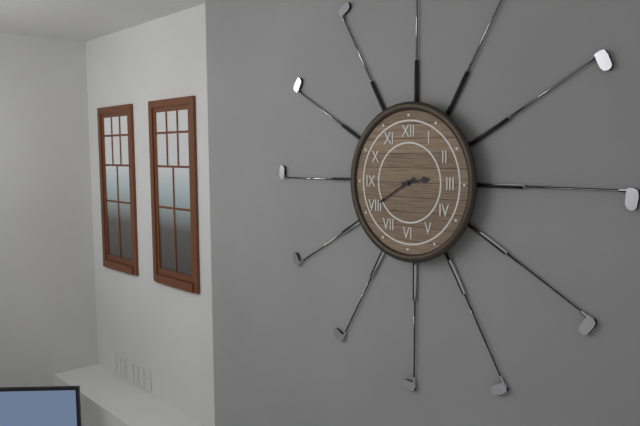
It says 2:40
